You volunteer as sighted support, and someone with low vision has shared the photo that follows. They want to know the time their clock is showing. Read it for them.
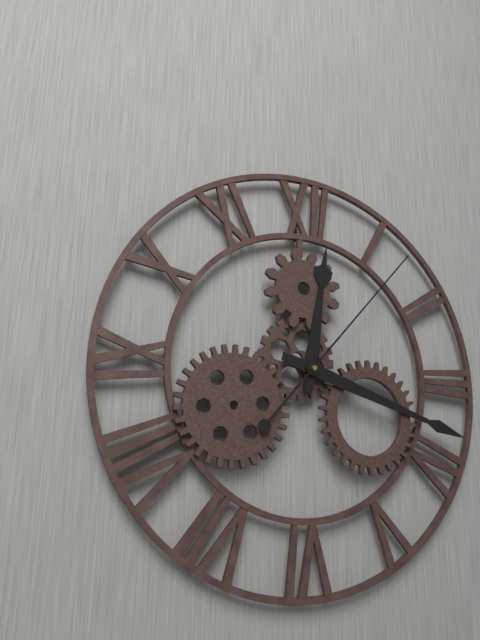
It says 12:18:07
